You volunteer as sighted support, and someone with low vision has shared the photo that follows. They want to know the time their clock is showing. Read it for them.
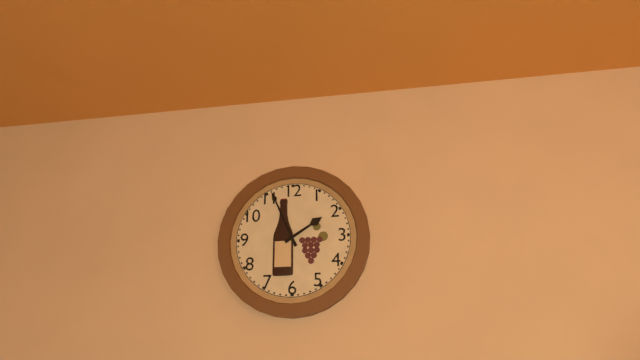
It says 1:56
